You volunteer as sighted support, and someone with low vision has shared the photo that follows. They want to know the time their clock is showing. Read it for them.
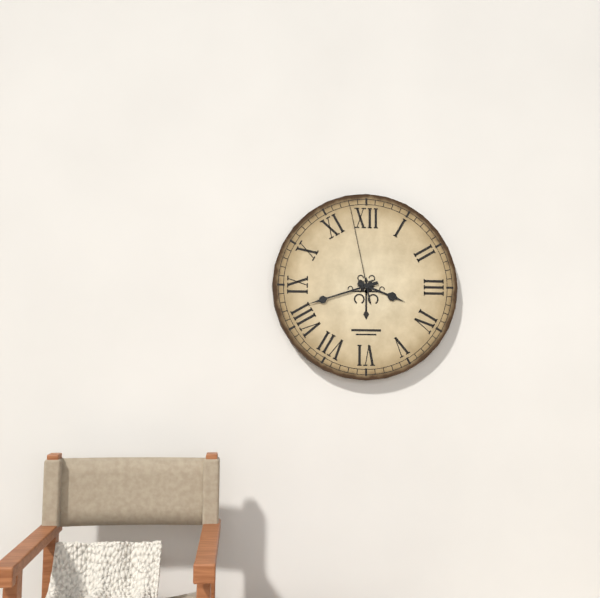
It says 3:42:58
